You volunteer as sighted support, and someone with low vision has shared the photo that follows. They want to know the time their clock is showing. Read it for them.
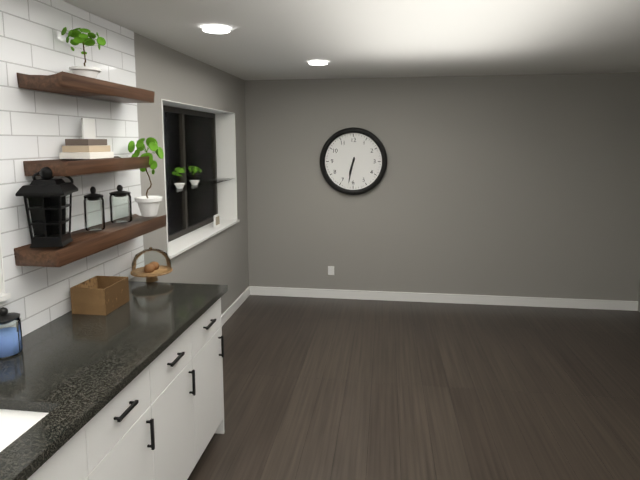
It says 6:32
